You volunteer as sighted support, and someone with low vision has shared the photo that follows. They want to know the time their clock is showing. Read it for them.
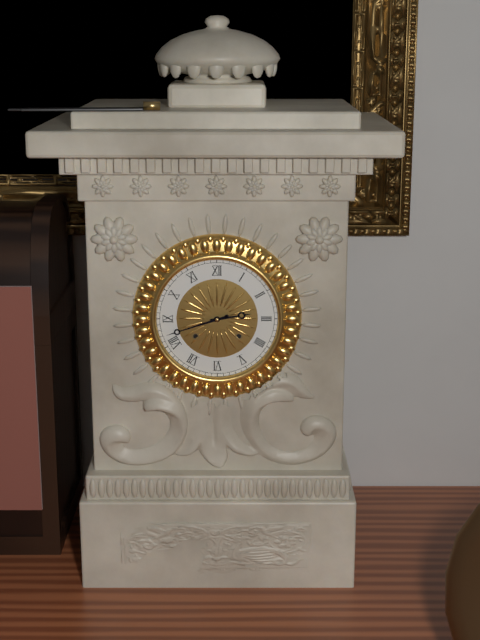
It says 2:42
